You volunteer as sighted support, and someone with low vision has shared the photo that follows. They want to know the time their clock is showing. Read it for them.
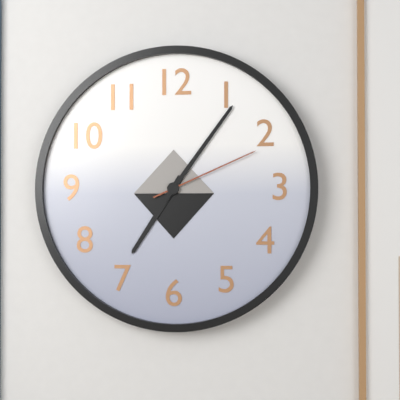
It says 7:06:11
